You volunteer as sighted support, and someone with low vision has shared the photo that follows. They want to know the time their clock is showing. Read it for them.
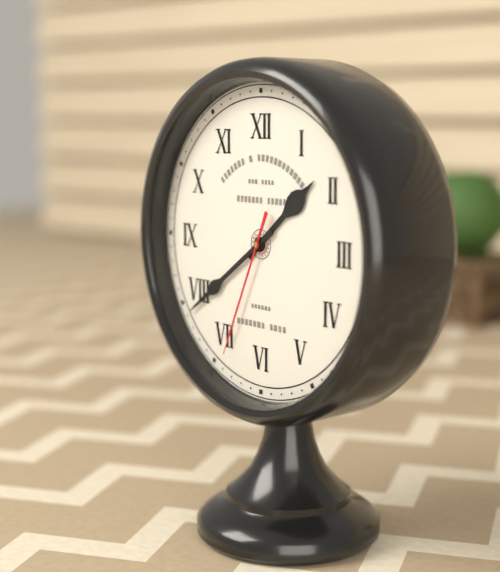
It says 1:39:34
